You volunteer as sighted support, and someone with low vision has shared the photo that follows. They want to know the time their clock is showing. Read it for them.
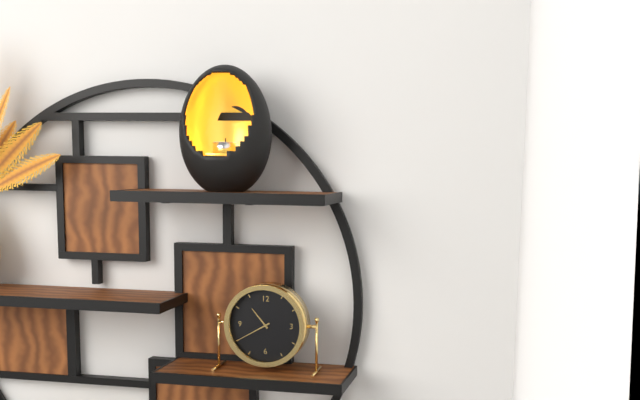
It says 10:40
